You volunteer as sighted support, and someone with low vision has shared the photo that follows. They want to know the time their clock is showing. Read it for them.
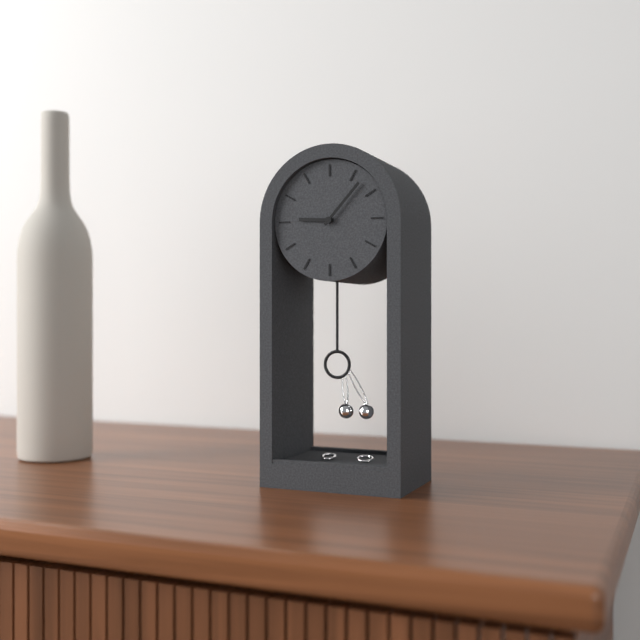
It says 9:07
